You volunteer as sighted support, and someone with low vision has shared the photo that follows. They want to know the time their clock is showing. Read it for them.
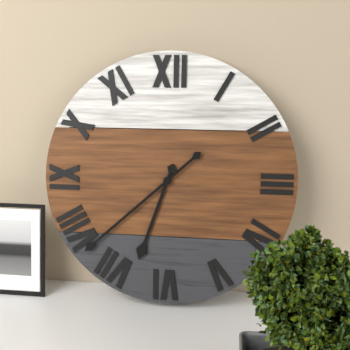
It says 6:38
